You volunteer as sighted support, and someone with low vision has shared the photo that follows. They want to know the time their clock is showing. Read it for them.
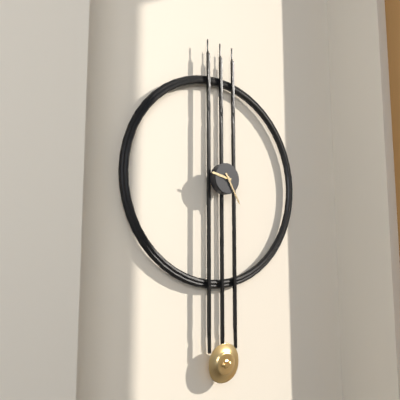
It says 9:25
